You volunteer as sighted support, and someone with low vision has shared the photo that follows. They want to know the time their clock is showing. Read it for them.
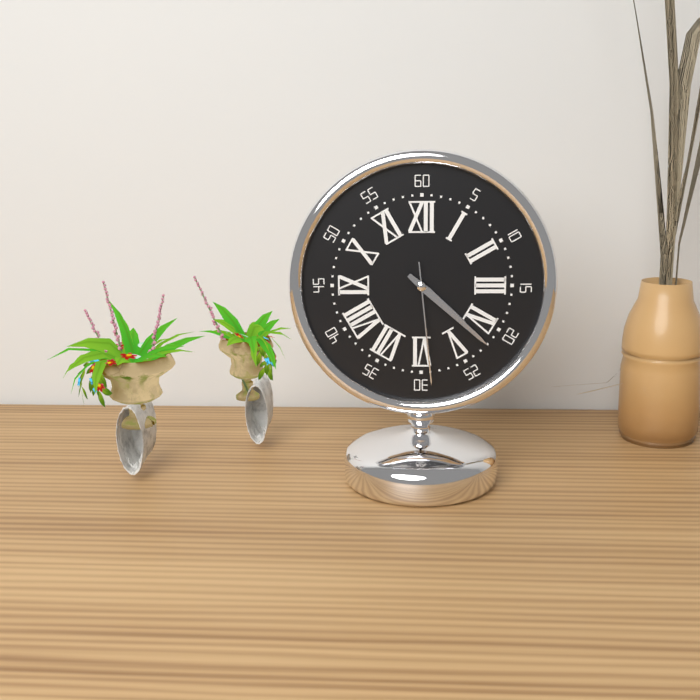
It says 4:22:29
